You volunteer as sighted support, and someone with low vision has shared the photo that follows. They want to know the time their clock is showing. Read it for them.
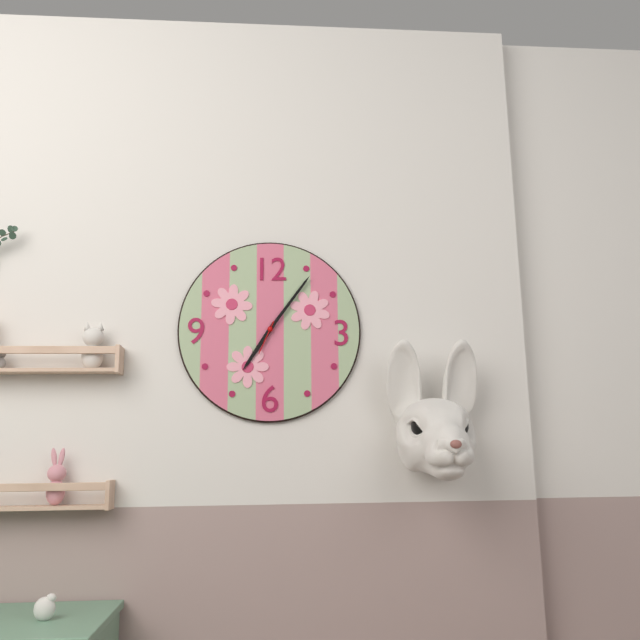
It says 7:06
